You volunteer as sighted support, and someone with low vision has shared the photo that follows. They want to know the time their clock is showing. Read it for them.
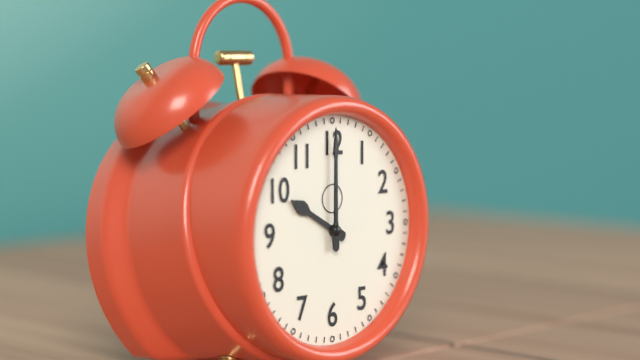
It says 10:00
